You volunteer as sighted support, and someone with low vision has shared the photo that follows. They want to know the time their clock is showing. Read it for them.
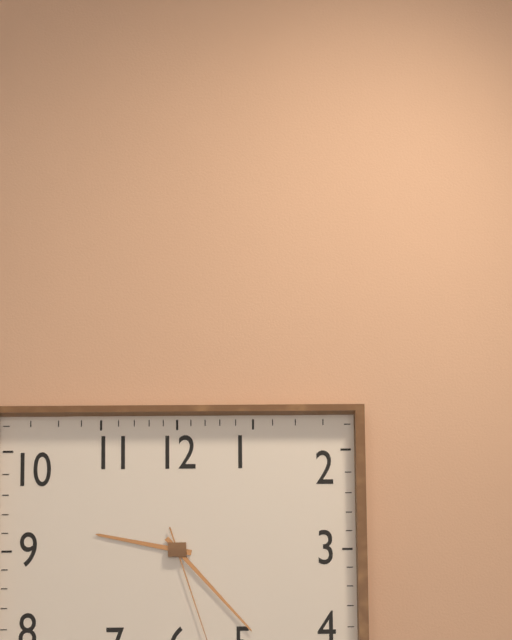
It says 9:23
